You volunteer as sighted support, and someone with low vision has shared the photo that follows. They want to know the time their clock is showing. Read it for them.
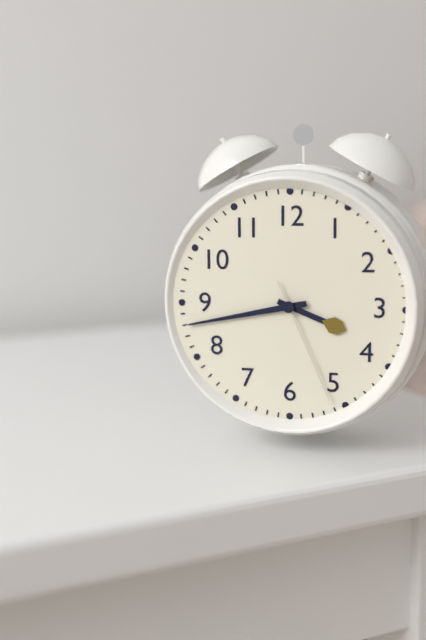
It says 3:43:26
